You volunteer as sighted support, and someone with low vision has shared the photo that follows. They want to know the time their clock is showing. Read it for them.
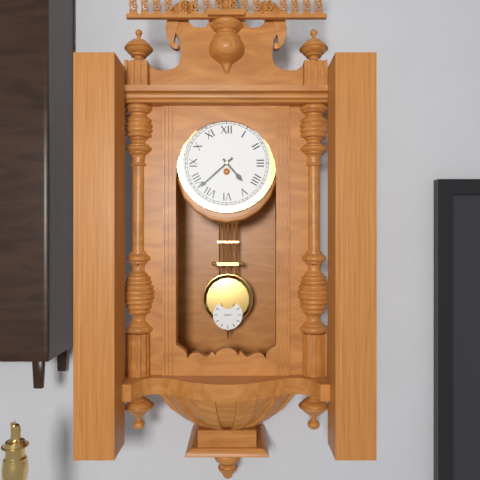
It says 4:38
